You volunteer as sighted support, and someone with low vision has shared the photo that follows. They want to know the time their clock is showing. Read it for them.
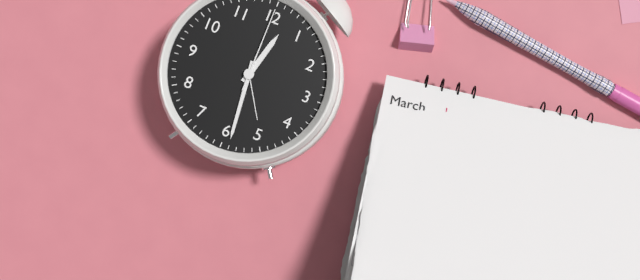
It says 12:29:00
